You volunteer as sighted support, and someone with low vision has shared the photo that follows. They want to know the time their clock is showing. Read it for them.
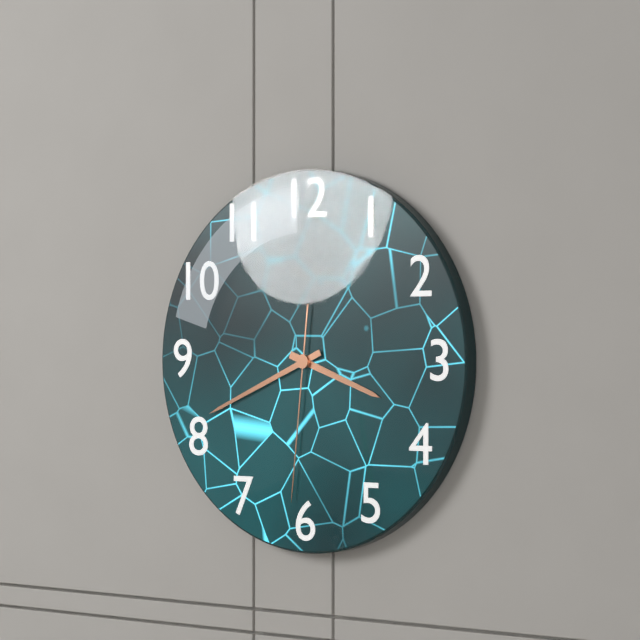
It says 3:41:31
